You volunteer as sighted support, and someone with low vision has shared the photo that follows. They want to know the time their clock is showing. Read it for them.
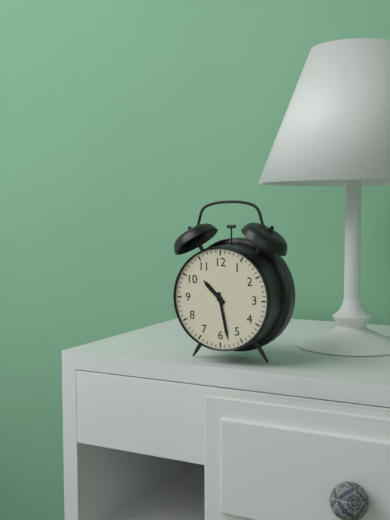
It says 10:28
